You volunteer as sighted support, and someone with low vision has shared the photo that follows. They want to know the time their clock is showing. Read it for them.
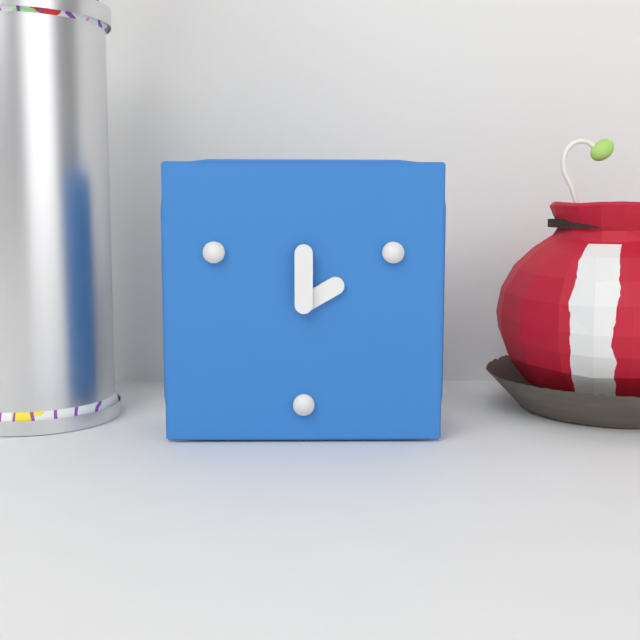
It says 2:00
